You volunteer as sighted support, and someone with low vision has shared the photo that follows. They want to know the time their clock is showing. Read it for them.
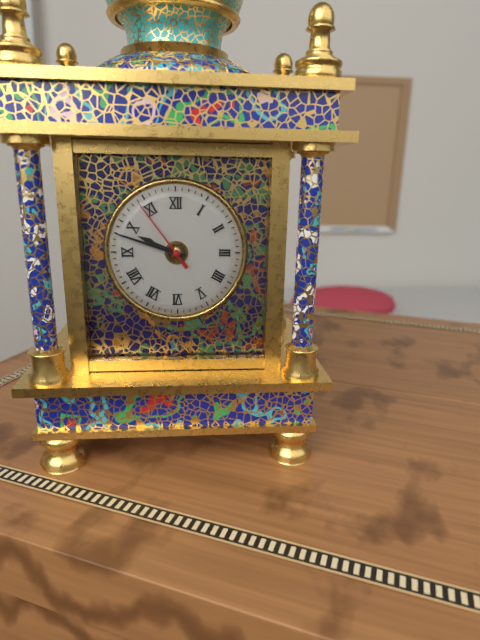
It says 9:48:54
